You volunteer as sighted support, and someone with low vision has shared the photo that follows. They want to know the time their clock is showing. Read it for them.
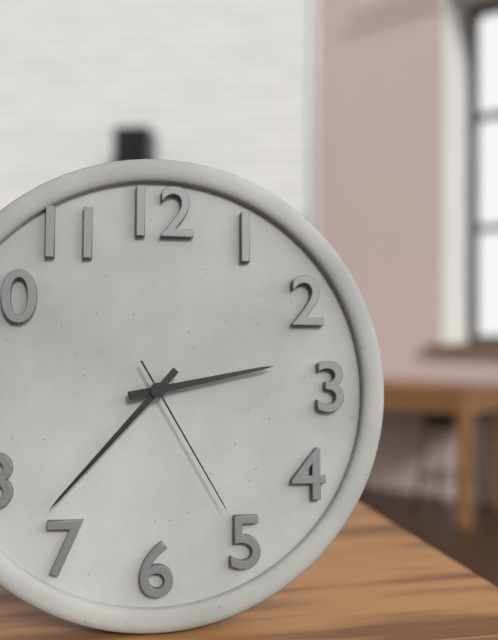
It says 2:37:25
